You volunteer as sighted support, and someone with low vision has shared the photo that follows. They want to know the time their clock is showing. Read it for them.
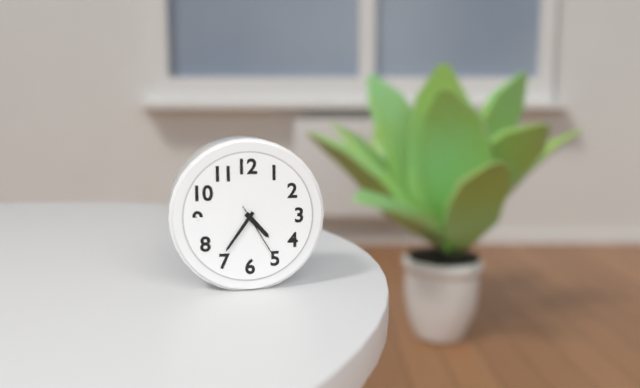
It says 4:36:25
